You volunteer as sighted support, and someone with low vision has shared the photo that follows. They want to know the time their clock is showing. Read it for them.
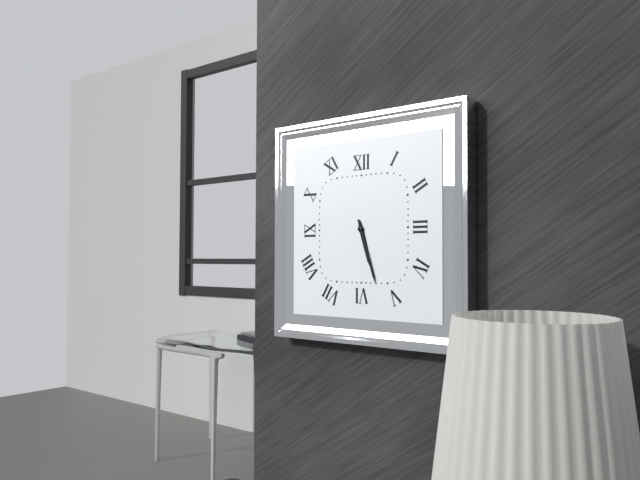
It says 5:27
